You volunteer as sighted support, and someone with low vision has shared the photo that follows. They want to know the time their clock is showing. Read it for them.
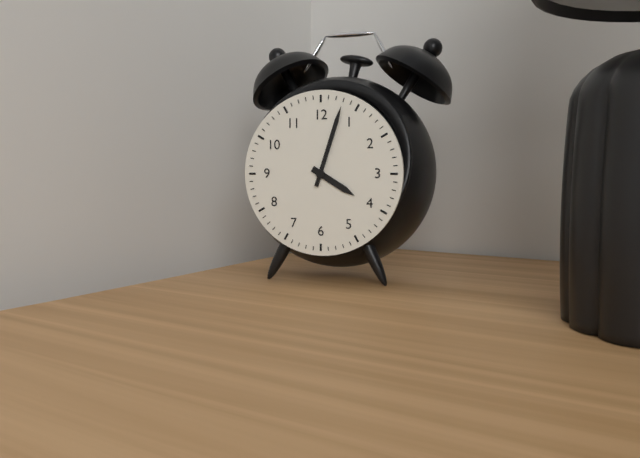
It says 4:03
